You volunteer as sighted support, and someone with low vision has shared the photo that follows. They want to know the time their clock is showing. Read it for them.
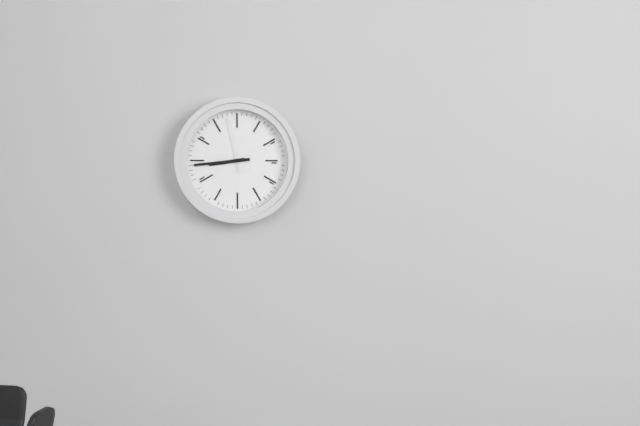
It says 8:44:58
